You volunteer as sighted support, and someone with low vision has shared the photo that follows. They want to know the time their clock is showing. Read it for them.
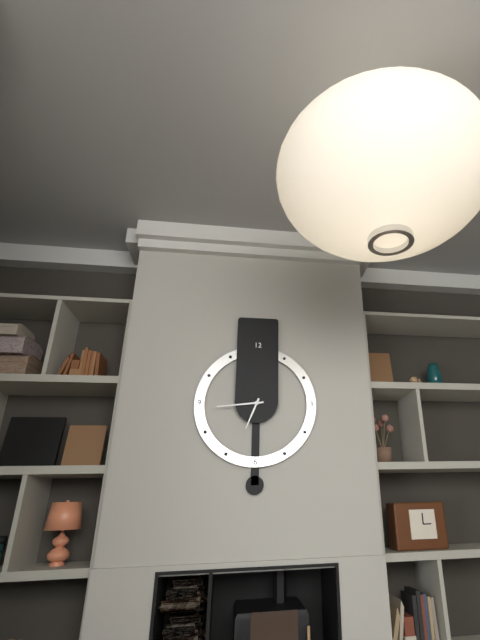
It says 6:44
